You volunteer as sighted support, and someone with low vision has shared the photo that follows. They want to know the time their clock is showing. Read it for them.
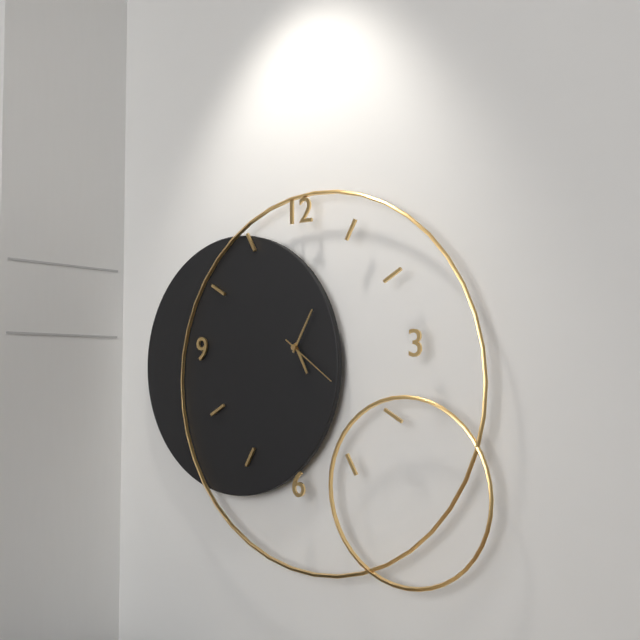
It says 5:05:21
